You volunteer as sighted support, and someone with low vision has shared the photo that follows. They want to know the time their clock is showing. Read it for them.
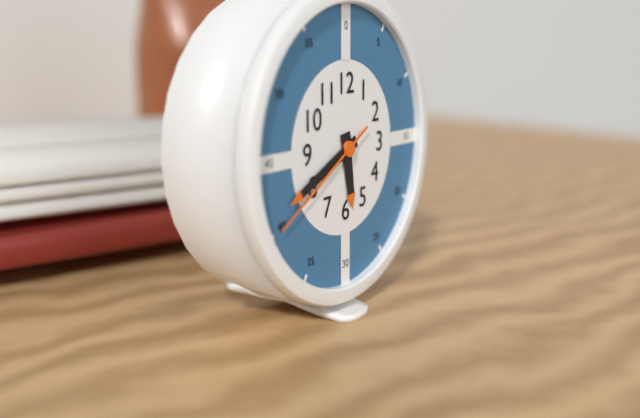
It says 5:41:40
